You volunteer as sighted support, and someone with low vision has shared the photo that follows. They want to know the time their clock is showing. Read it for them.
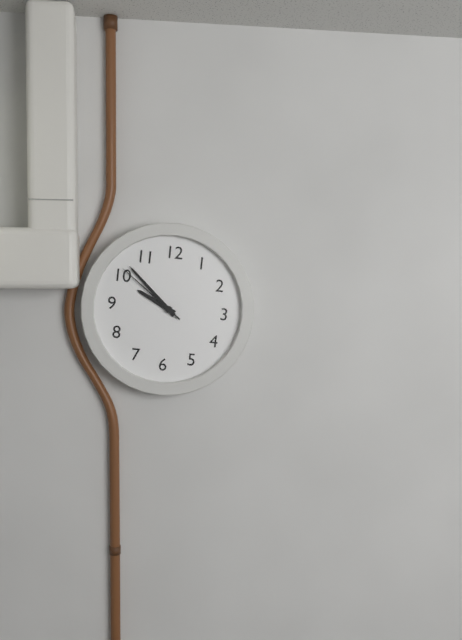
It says 9:52:51
